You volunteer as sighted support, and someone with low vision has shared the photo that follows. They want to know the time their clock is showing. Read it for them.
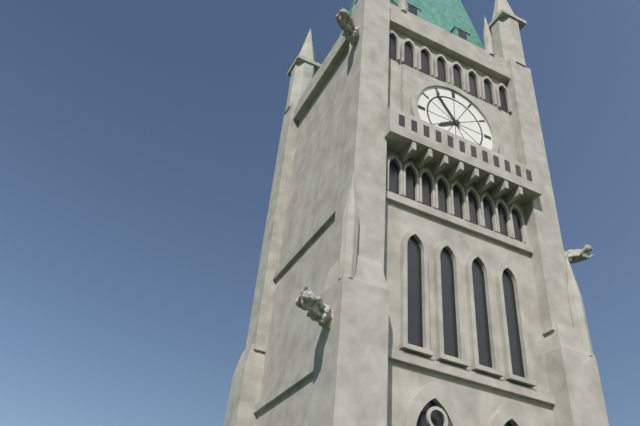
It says 7:54
